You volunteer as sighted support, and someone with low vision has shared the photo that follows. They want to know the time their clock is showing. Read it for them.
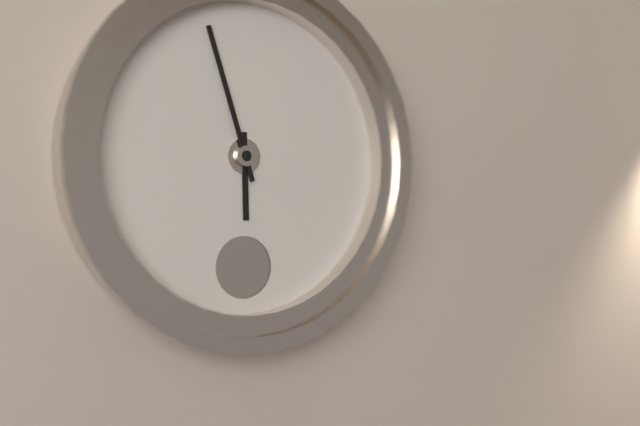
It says 5:57
